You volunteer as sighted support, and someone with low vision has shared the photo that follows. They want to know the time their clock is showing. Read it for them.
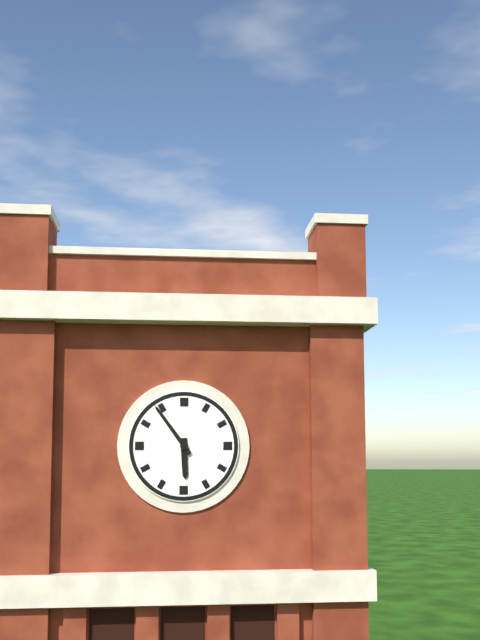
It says 5:54
